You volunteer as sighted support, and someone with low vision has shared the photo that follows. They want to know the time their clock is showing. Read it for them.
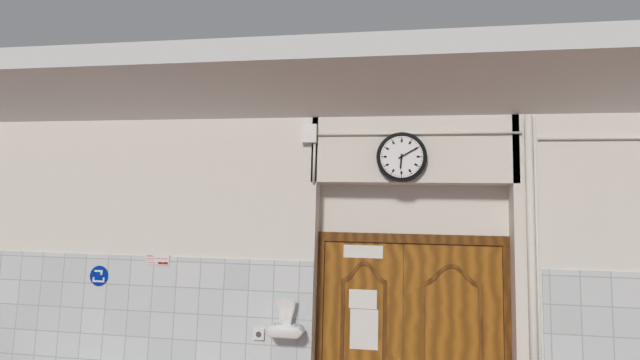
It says 6:10
